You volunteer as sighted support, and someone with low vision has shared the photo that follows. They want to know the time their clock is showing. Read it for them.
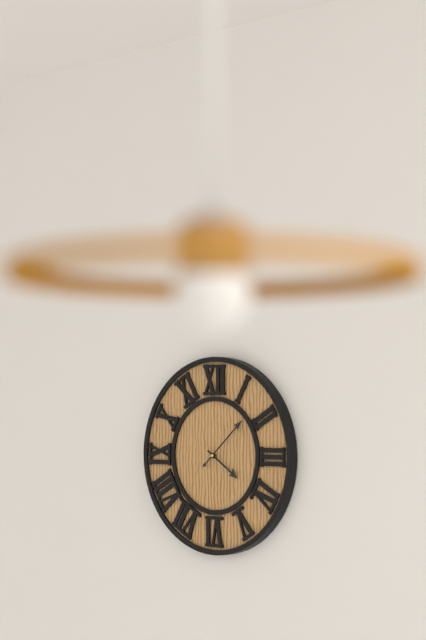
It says 4:08
